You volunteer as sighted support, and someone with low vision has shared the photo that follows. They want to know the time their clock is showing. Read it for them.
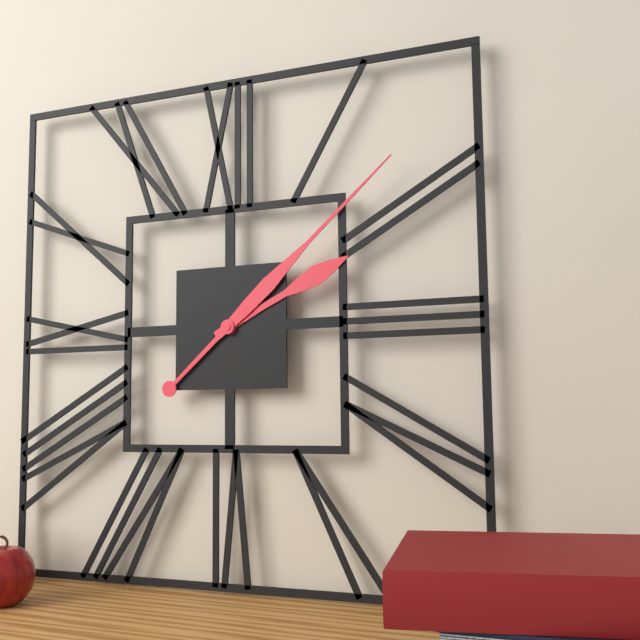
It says 2:08
